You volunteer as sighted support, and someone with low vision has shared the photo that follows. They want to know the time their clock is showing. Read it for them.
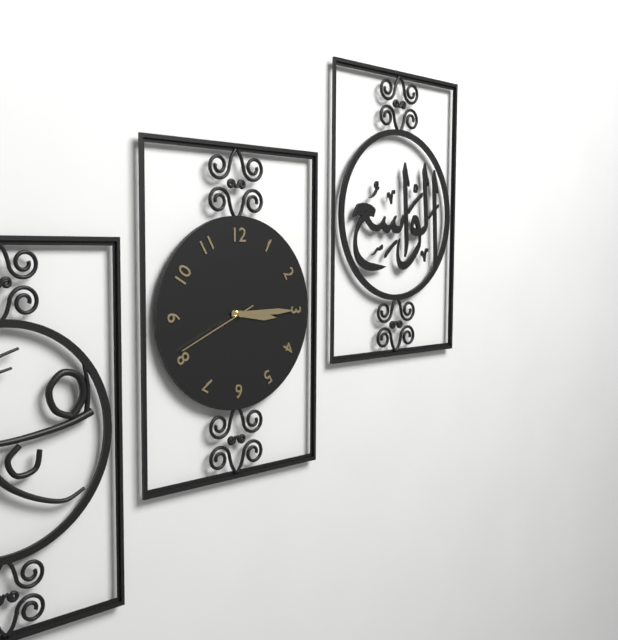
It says 3:15:41
